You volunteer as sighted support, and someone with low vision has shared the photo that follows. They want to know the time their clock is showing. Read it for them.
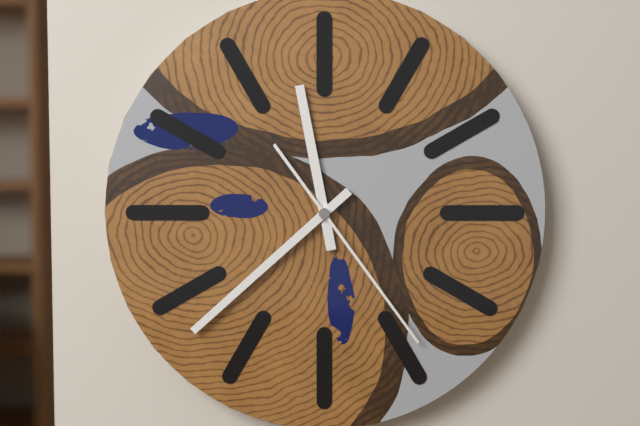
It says 11:38:24
